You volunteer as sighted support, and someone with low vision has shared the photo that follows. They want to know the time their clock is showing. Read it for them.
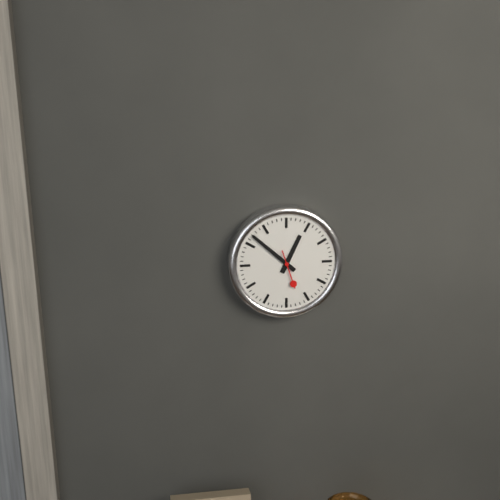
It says 12:52
